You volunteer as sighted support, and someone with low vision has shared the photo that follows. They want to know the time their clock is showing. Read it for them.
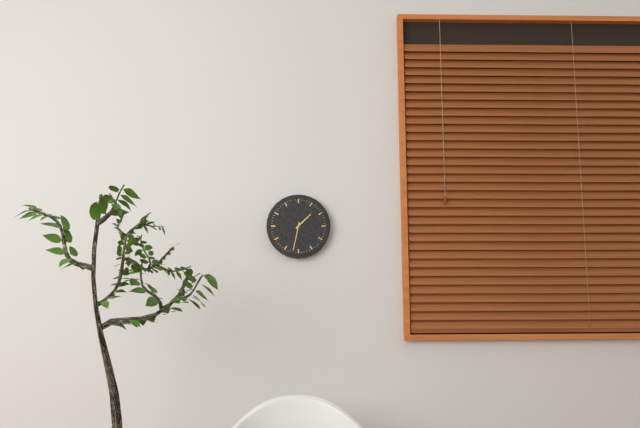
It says 1:32
